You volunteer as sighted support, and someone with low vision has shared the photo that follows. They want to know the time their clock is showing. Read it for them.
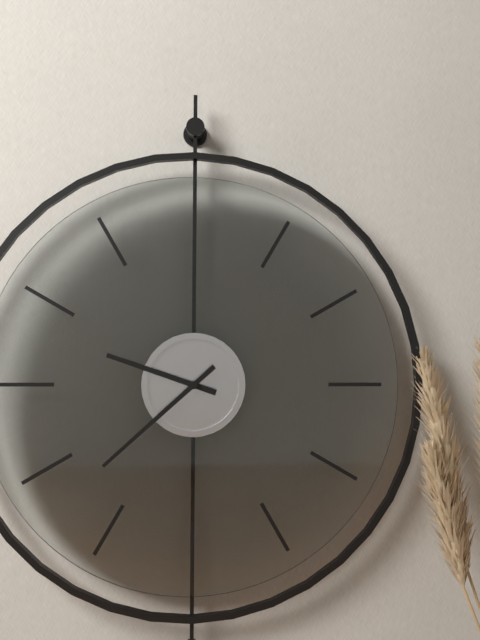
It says 9:38
